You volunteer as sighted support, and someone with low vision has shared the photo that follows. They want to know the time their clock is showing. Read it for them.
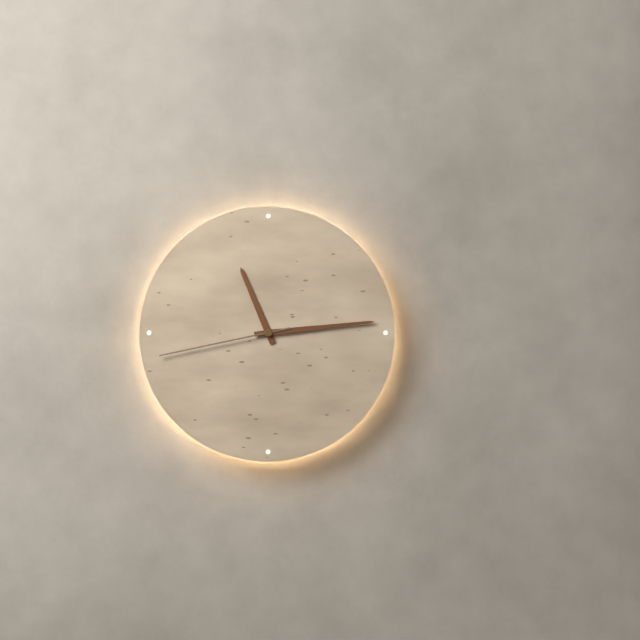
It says 11:14:43
